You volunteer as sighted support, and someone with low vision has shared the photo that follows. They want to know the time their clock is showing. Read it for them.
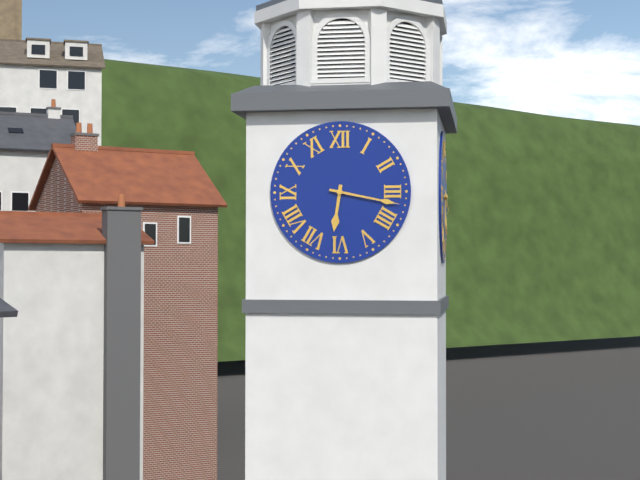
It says 6:17
